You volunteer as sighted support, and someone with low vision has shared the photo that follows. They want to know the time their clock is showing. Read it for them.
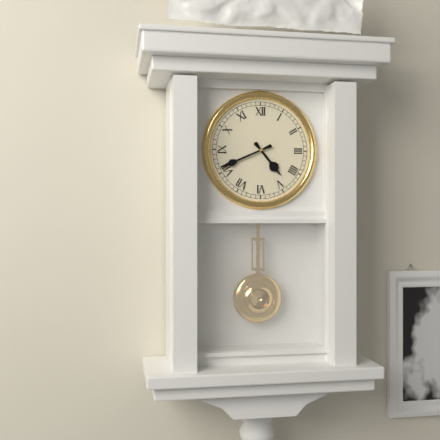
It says 4:41
